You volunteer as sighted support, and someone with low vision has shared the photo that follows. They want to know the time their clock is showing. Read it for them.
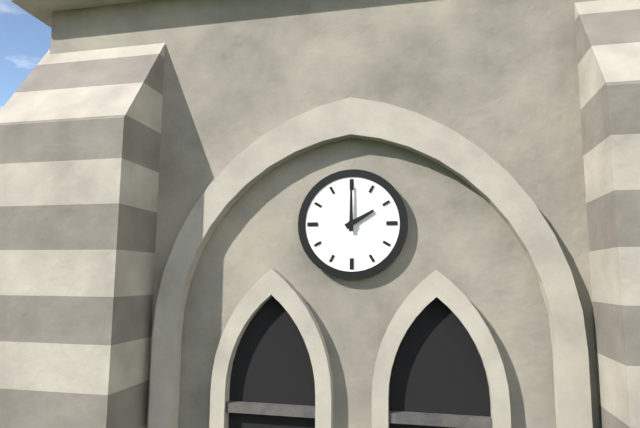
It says 2:00
